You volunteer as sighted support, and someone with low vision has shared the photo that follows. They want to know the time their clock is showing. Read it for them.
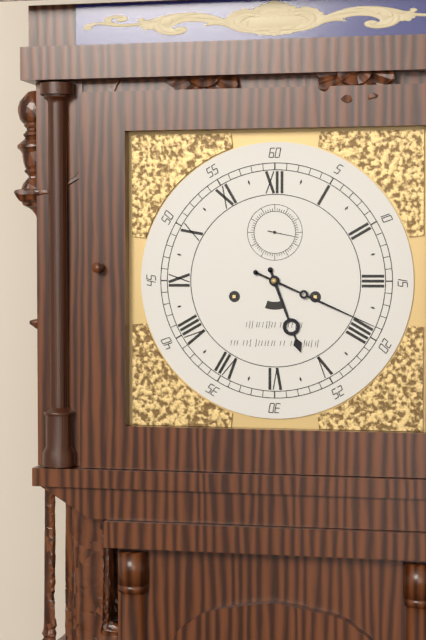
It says 5:19
